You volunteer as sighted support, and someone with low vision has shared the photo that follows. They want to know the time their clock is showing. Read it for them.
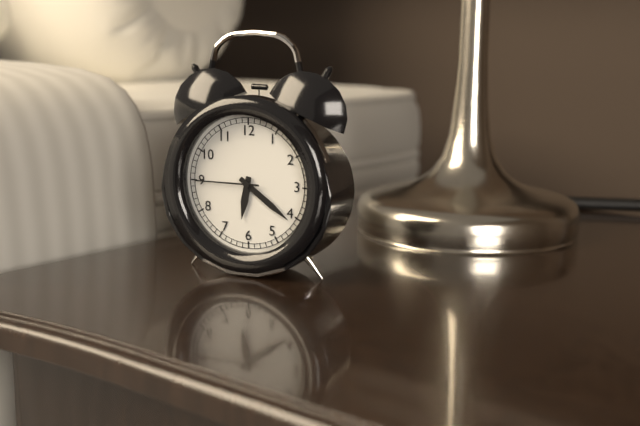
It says 6:21:45
